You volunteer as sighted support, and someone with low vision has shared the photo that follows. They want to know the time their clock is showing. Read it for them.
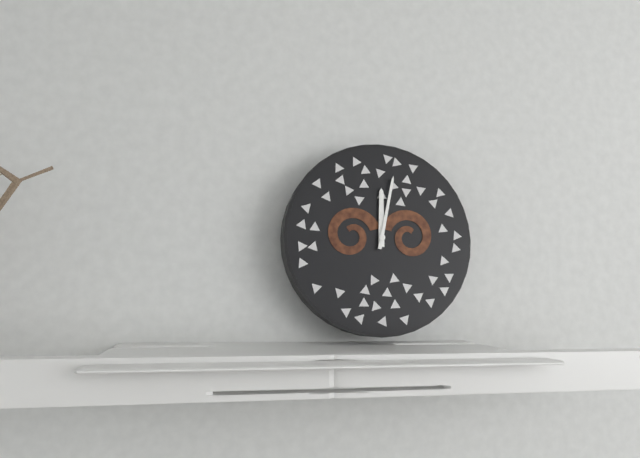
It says 12:02
